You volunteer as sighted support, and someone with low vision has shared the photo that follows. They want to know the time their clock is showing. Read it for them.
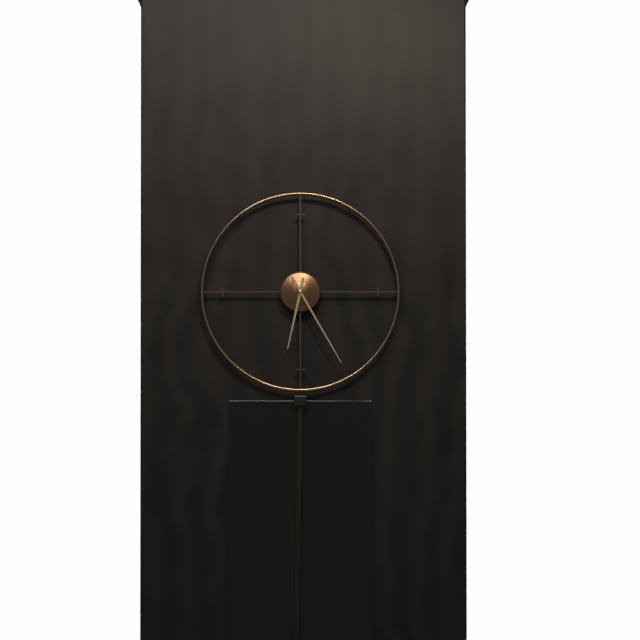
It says 6:25
